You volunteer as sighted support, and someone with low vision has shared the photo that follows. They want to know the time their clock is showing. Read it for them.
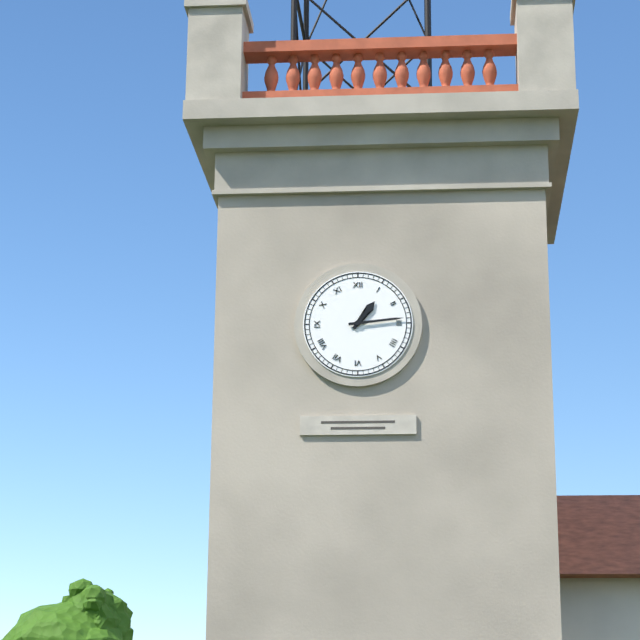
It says 1:14
